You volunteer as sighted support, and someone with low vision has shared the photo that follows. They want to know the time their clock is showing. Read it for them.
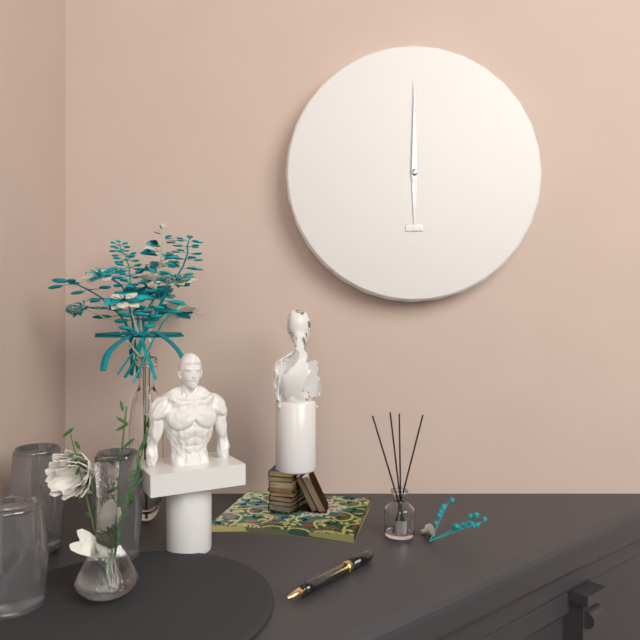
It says 6:00
